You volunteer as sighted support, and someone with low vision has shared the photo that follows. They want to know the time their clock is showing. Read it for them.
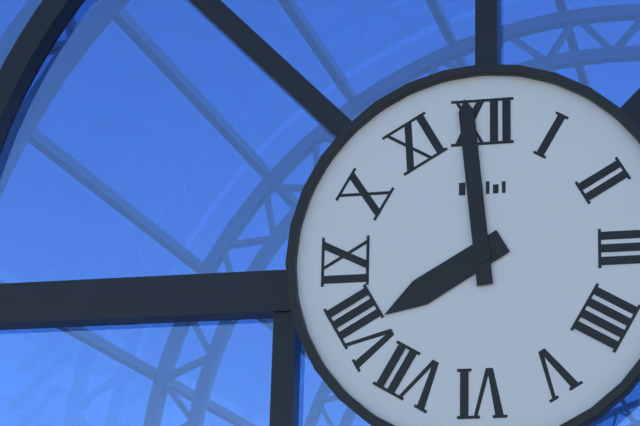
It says 7:59
